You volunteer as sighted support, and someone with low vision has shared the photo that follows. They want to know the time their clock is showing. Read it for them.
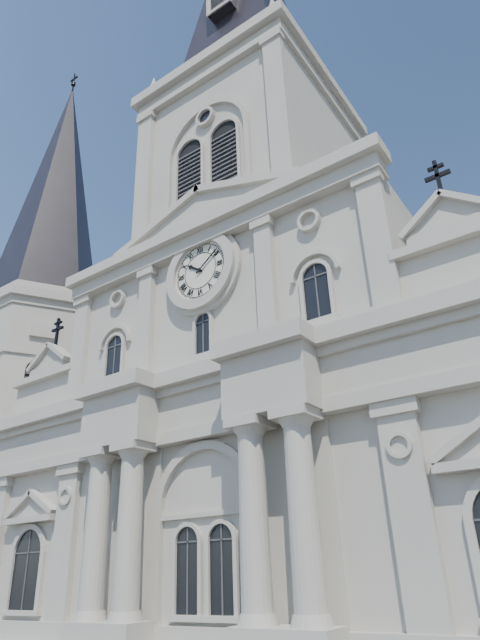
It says 10:09
